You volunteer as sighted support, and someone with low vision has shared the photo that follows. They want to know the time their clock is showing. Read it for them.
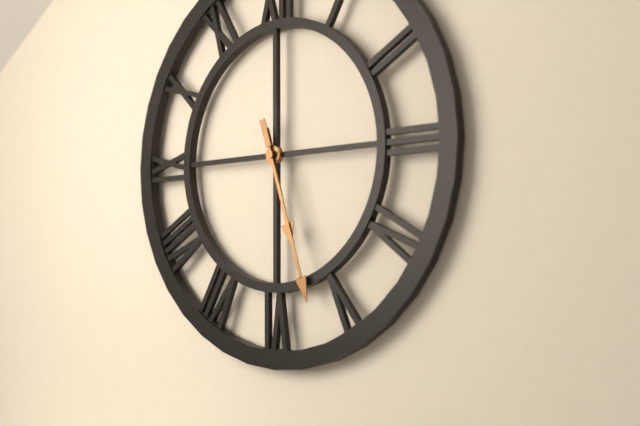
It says 5:27
